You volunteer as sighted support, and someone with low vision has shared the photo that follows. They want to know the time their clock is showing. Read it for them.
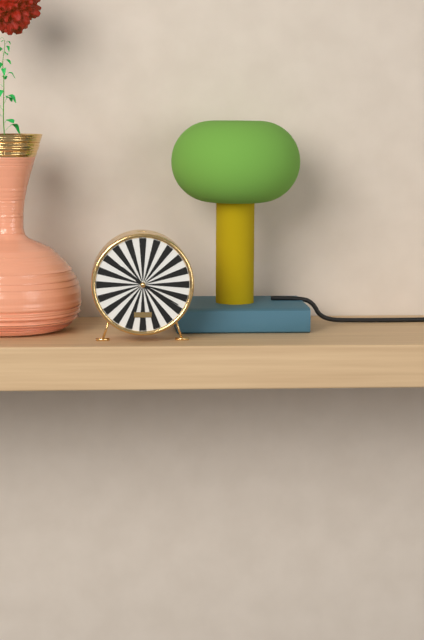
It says 10:20
